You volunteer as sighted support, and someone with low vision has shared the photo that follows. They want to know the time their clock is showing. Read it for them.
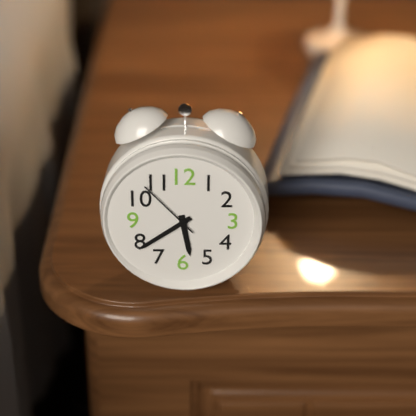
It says 5:39:53
